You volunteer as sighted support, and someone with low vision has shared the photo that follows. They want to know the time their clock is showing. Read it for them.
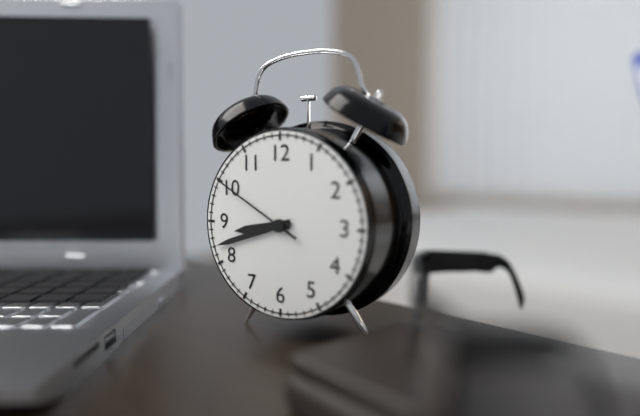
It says 8:42:50
